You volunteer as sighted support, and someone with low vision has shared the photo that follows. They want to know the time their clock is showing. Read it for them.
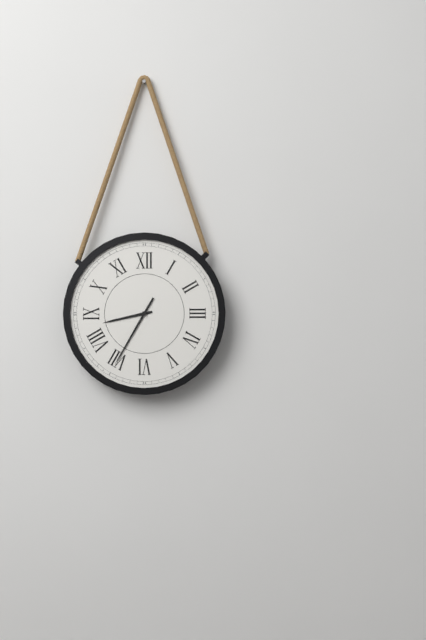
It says 8:35
